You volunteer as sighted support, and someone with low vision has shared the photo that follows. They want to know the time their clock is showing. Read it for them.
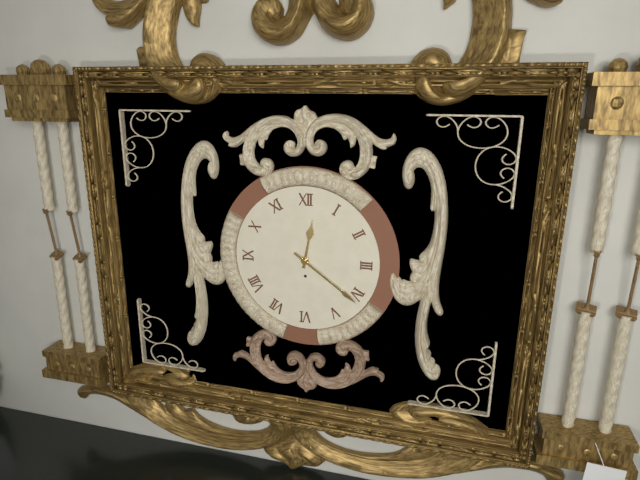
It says 12:21
